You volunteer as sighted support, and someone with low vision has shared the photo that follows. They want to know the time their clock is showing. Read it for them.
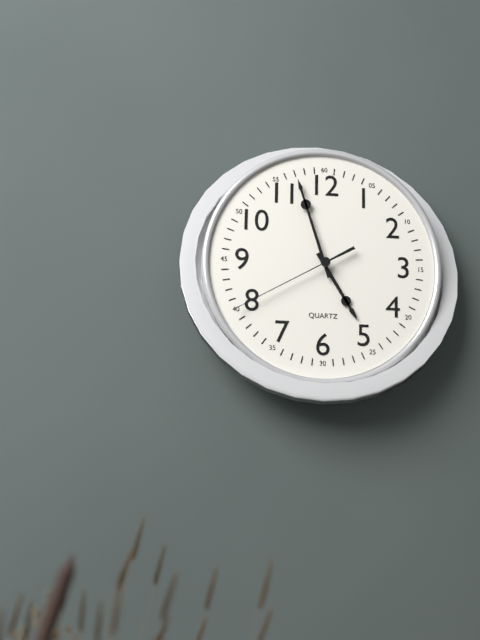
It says 4:57:40
